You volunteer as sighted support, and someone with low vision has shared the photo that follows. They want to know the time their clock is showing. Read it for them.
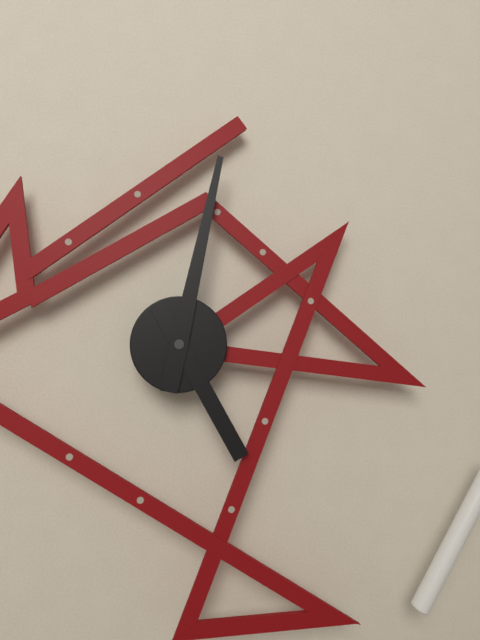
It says 5:02
